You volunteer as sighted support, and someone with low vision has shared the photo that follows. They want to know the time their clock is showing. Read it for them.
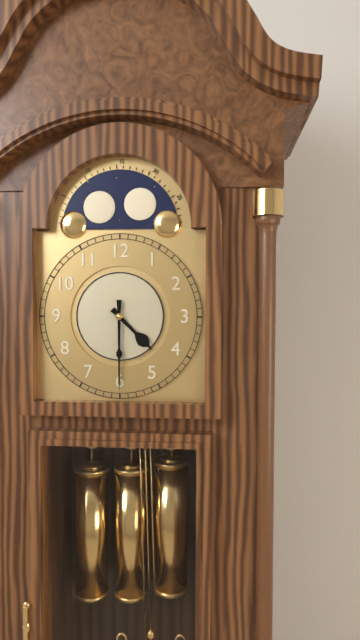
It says 4:30
